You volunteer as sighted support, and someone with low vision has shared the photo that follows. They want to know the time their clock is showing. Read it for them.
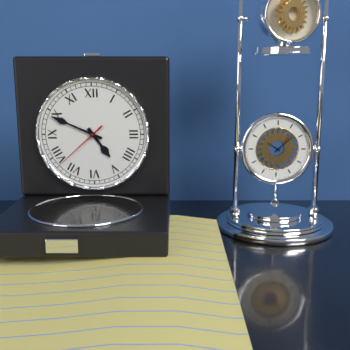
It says 4:49:38
